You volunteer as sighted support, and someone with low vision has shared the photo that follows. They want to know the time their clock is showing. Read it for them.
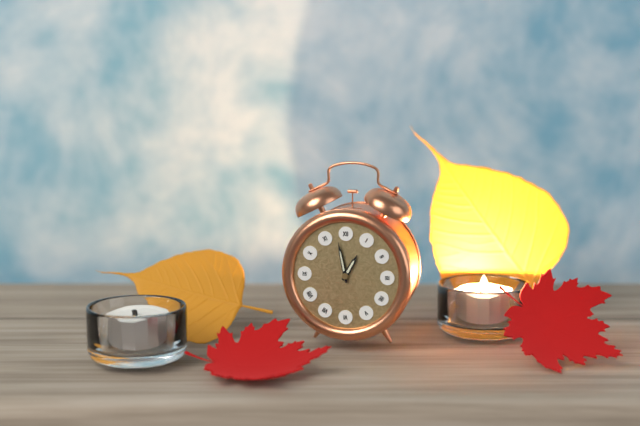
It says 12:58
